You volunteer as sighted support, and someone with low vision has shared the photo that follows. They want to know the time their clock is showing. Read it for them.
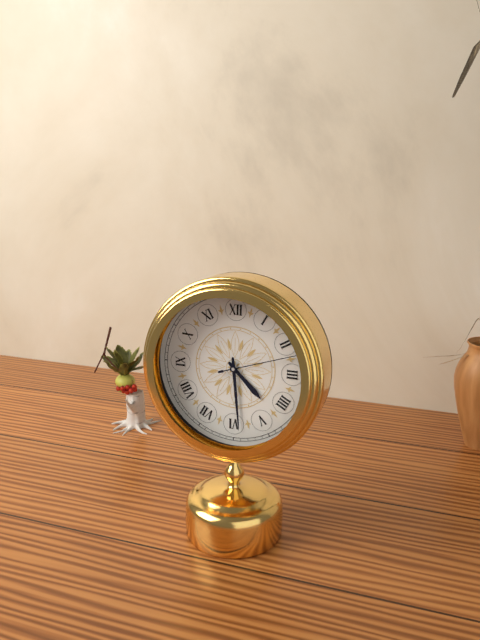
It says 4:29:12
